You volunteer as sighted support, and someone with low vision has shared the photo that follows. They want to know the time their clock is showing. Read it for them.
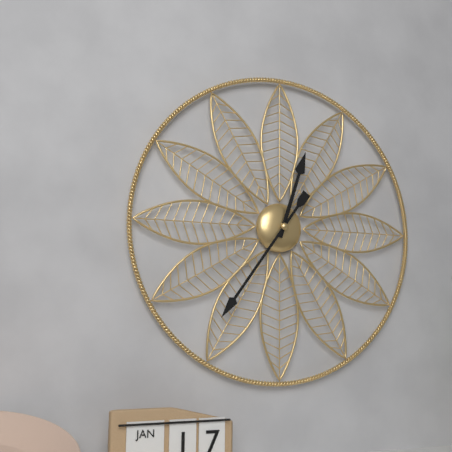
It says 12:36
